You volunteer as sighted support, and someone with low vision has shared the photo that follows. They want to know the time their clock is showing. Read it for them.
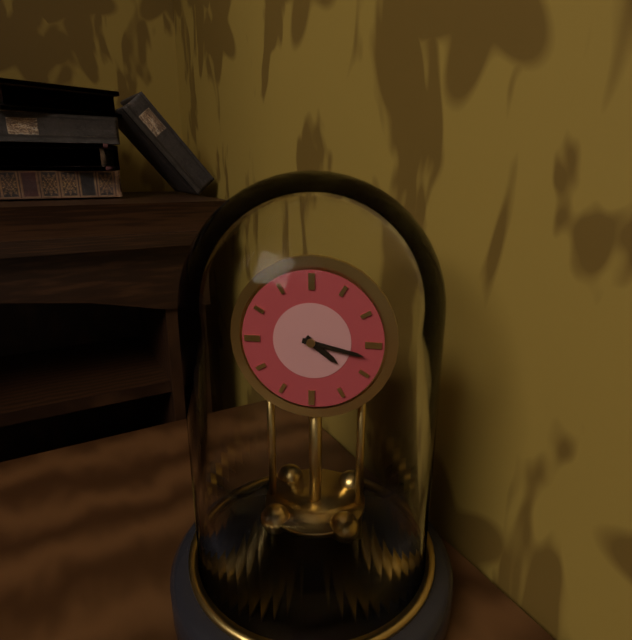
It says 4:17
